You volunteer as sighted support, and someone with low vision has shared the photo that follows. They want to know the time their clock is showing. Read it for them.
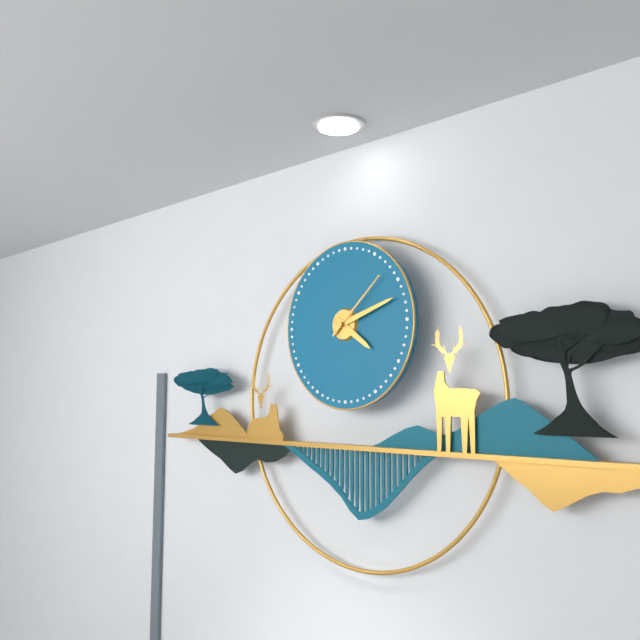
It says 4:12:08
